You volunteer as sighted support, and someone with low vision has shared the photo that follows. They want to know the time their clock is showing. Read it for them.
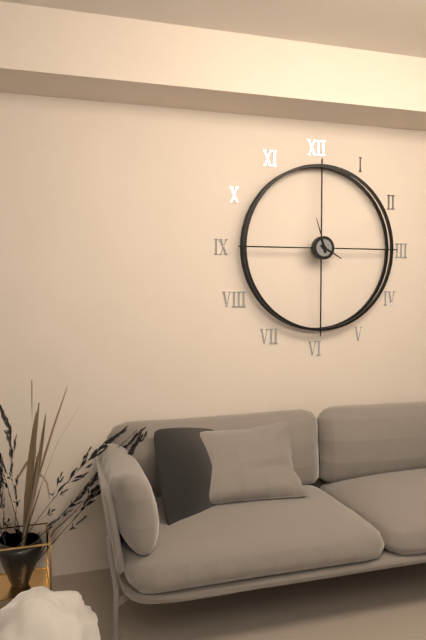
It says 3:57
